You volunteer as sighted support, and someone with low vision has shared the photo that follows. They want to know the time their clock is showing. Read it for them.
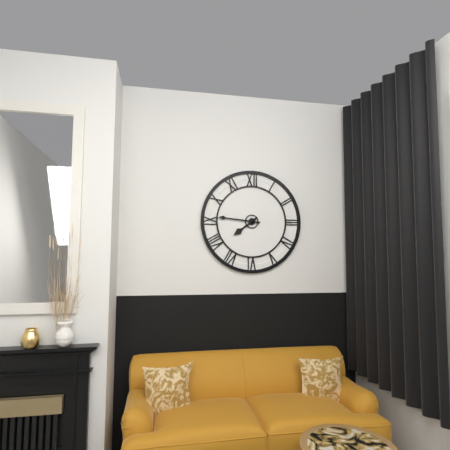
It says 7:46
